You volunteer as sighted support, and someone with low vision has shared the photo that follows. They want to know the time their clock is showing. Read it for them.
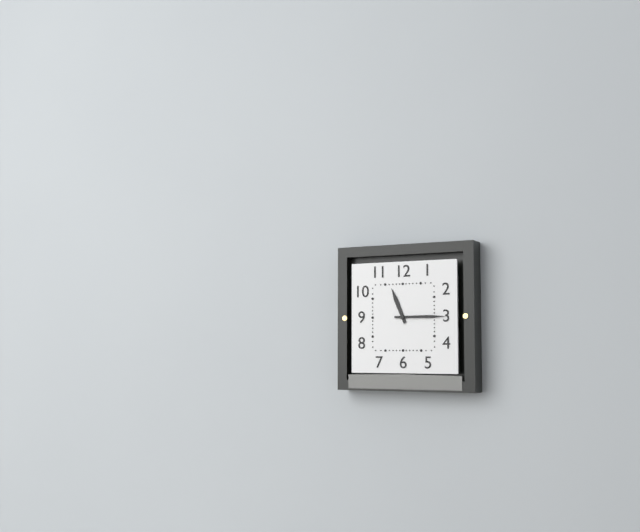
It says 11:15
